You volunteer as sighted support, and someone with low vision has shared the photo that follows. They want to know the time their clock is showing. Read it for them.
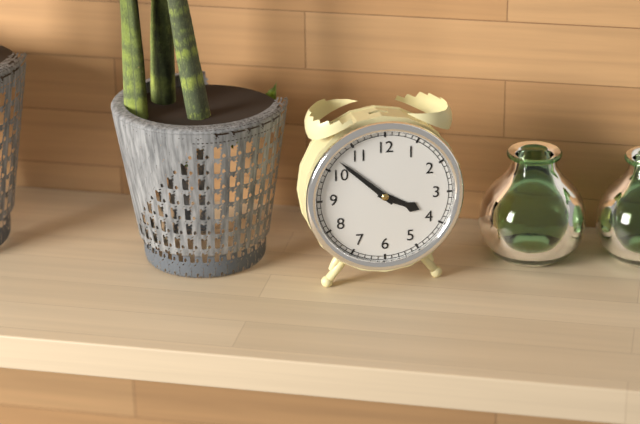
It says 3:52
